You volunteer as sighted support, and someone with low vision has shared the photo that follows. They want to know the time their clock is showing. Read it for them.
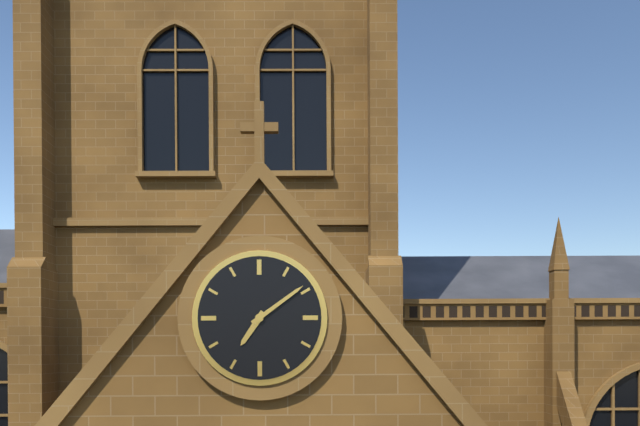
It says 7:09
